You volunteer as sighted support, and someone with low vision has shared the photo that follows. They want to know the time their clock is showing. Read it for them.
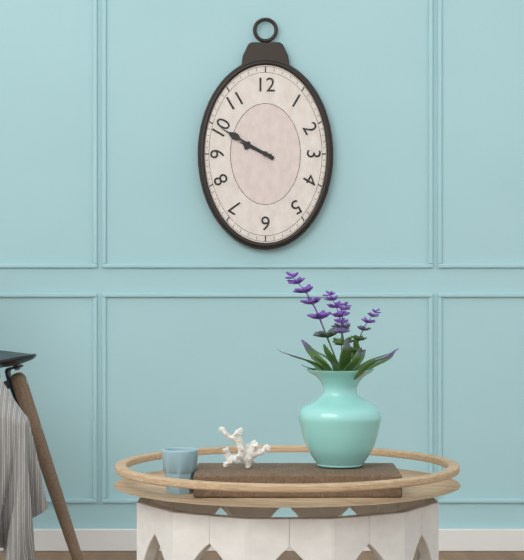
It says 9:50
